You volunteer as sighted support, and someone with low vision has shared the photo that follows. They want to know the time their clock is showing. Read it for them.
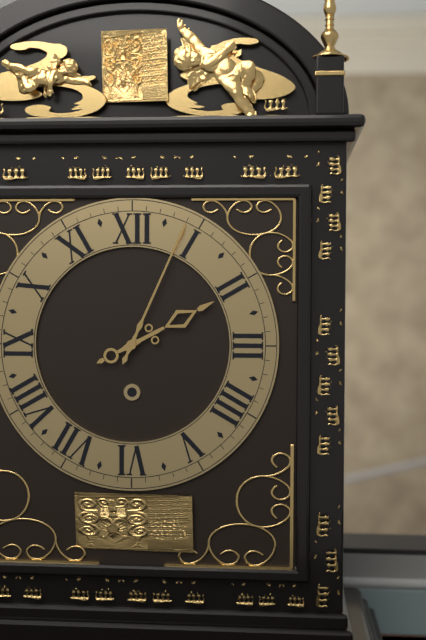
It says 2:04
